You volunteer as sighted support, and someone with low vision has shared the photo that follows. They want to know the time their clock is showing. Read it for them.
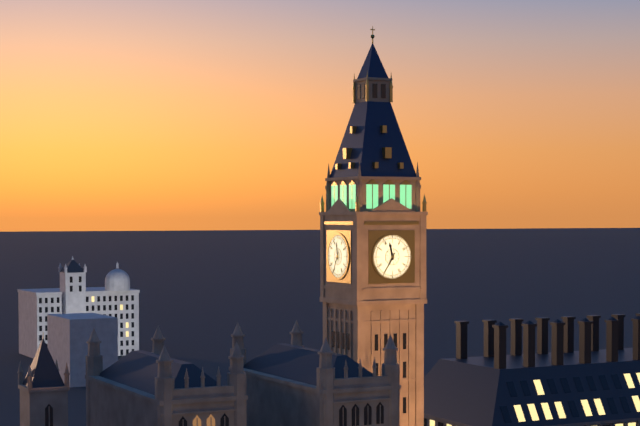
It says 11:35
